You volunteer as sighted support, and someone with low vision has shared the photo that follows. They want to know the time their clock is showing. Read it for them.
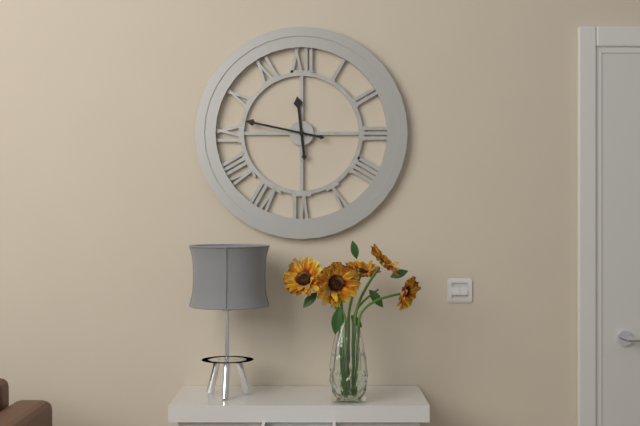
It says 11:47
